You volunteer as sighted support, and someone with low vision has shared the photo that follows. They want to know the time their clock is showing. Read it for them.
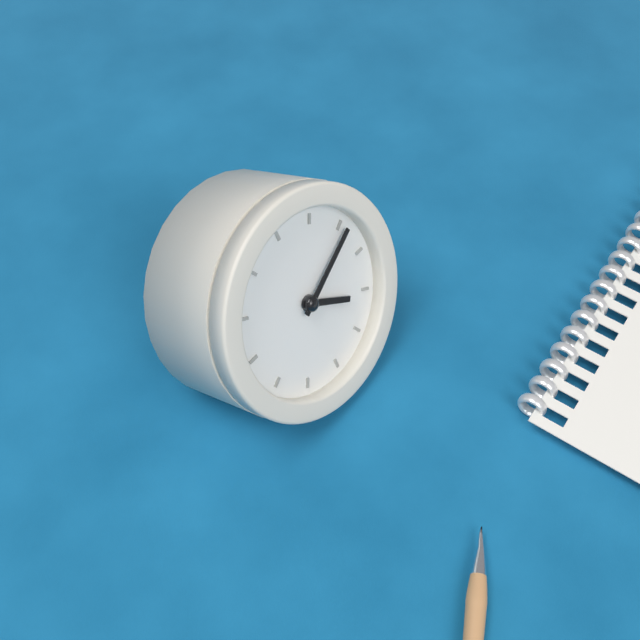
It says 4:11
